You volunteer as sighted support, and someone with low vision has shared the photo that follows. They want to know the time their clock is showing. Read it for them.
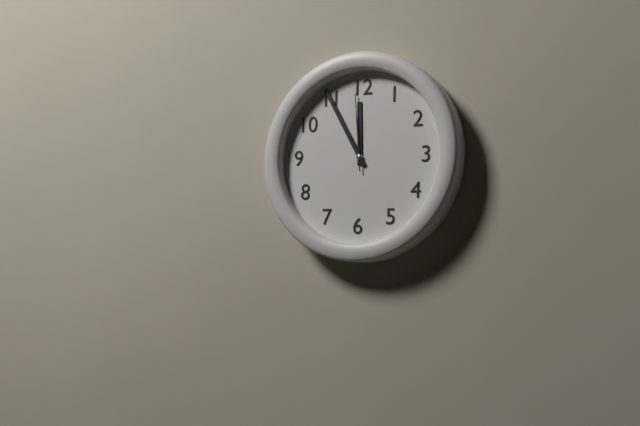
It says 11:55:59
